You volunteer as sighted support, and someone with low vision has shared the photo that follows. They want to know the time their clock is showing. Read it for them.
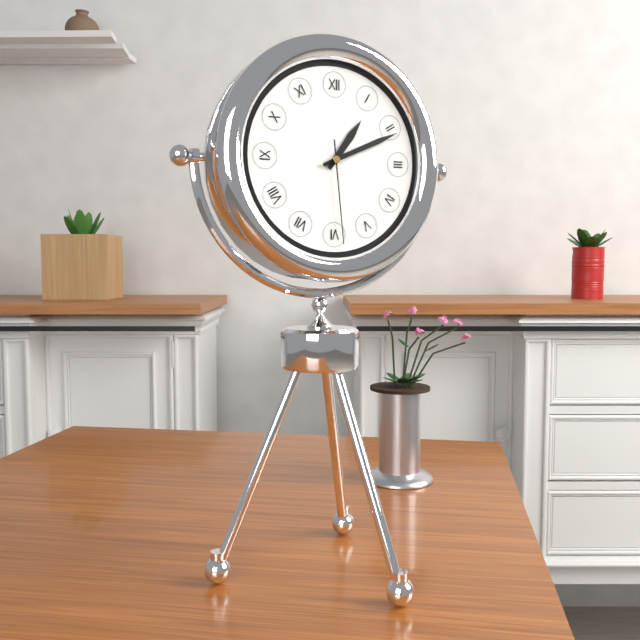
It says 1:11:29
